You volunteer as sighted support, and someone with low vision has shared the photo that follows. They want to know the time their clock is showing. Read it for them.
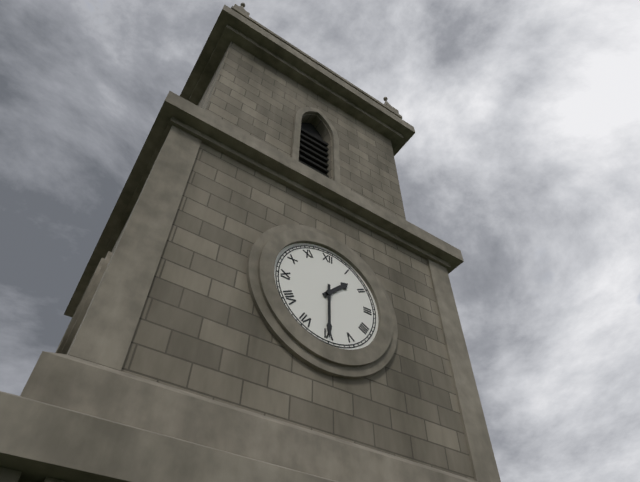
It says 1:30
